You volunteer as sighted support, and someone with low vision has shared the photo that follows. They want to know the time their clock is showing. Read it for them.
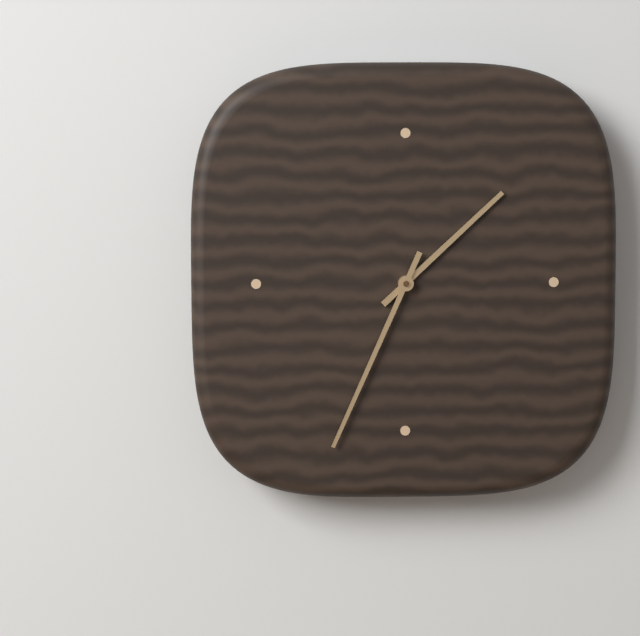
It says 1:34
